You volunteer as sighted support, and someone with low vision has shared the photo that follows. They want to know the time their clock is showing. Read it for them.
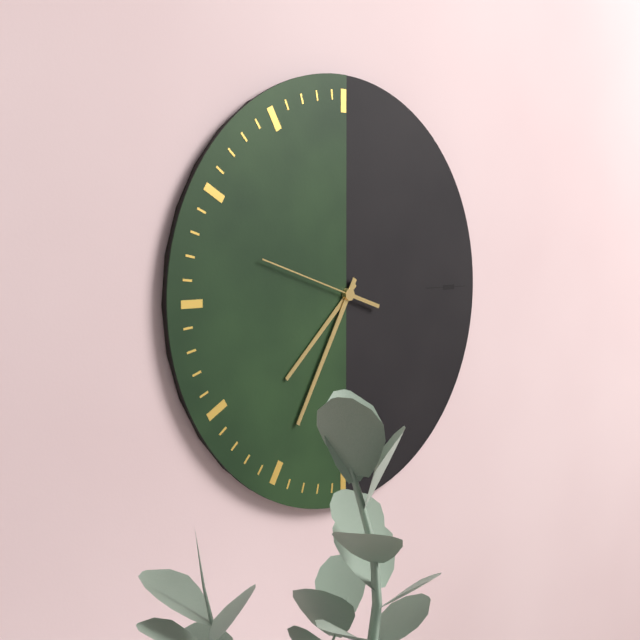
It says 7:35:48
